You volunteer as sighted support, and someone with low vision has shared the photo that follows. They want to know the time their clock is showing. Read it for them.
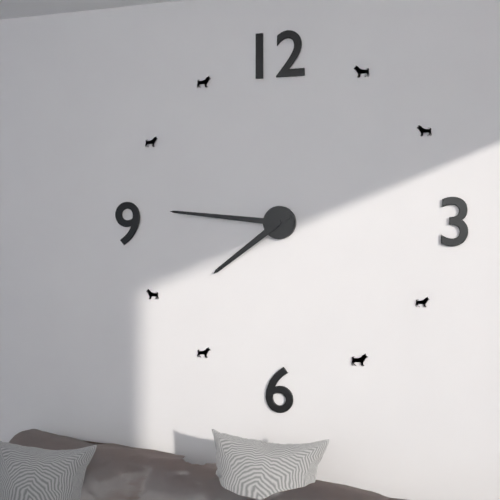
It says 7:46
